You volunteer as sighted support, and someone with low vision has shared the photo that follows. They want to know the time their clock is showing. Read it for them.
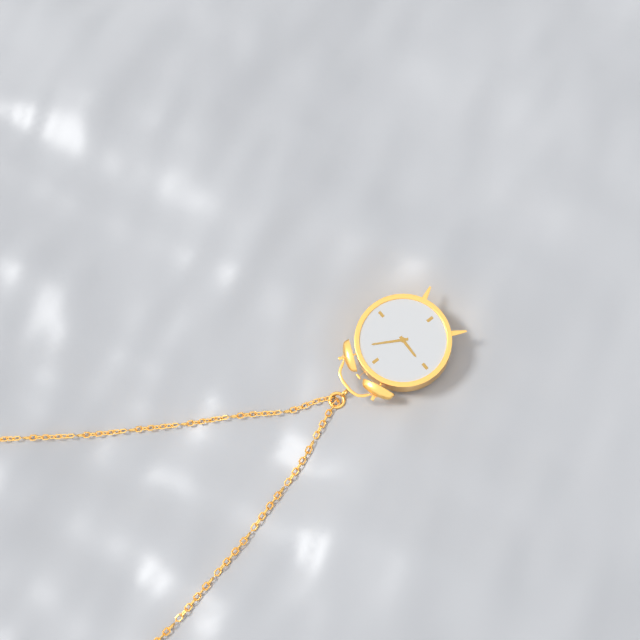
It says 9:05
